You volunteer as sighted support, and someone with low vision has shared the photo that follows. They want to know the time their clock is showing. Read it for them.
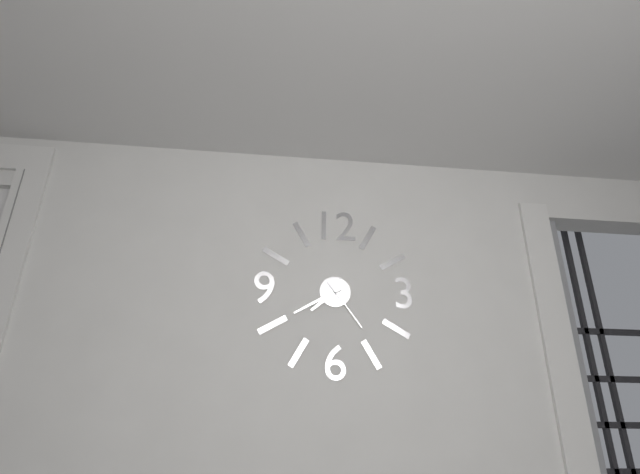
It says 7:40:24
